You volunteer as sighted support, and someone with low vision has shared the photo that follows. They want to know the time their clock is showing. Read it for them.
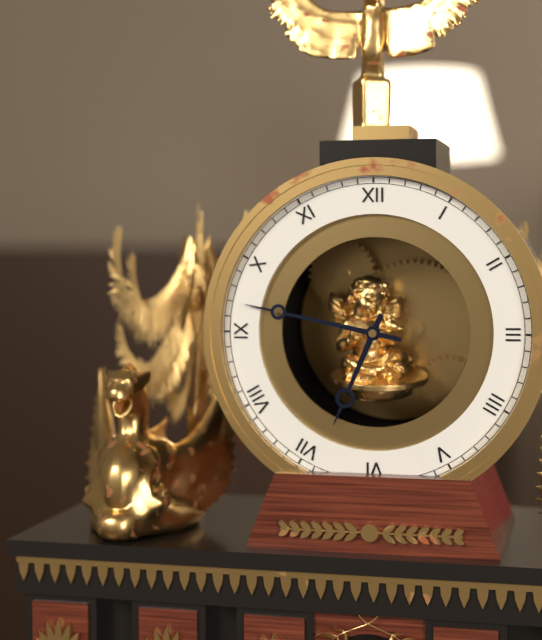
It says 6:47
